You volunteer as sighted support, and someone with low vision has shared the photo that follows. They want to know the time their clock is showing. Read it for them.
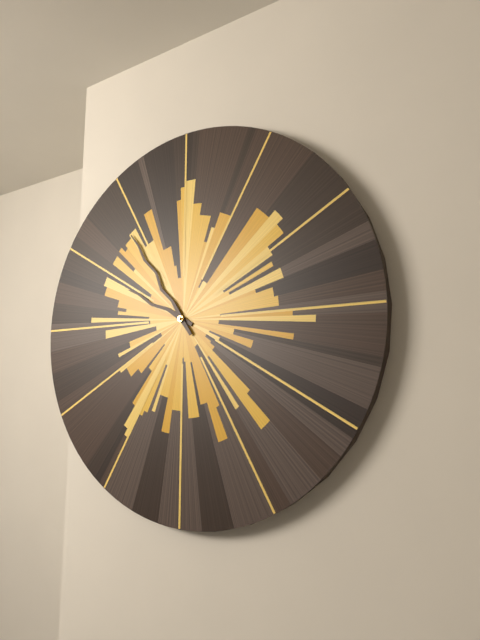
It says 9:54
